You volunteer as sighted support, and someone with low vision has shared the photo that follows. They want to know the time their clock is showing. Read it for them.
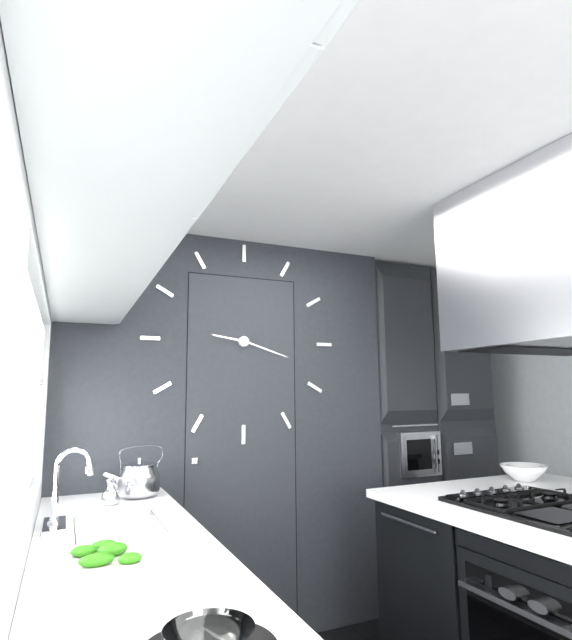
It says 9:18
